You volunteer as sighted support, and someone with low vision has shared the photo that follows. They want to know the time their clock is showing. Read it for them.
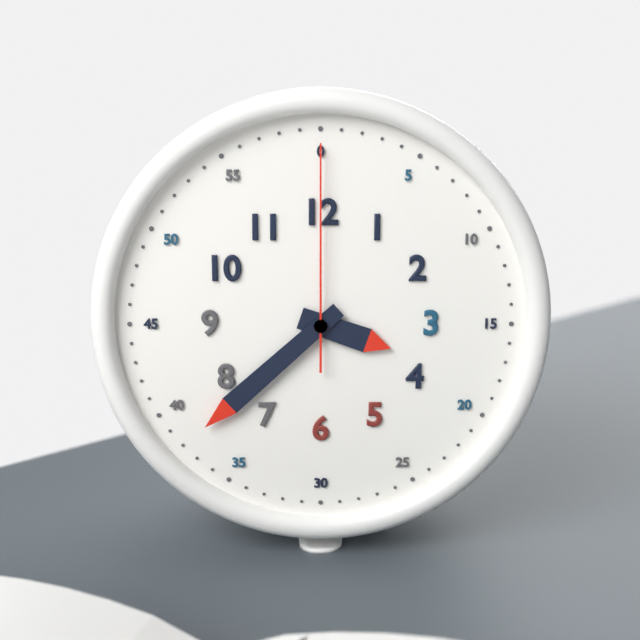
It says 3:38:00
